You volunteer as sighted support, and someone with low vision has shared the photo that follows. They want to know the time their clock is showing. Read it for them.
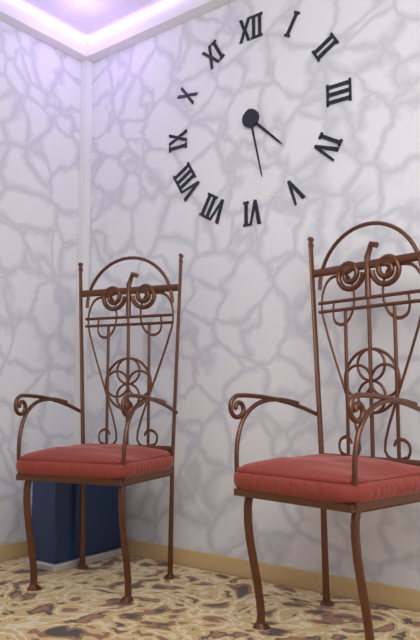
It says 4:28
